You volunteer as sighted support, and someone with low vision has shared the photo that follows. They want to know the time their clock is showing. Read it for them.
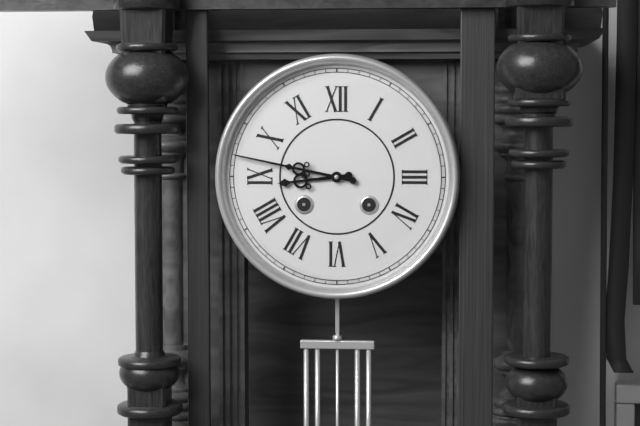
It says 8:47
